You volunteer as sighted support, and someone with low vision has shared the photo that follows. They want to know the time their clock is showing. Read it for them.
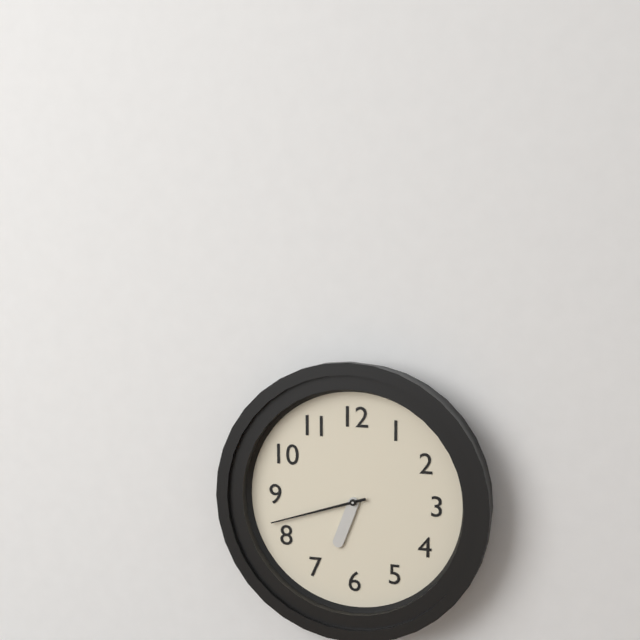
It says 6:42
